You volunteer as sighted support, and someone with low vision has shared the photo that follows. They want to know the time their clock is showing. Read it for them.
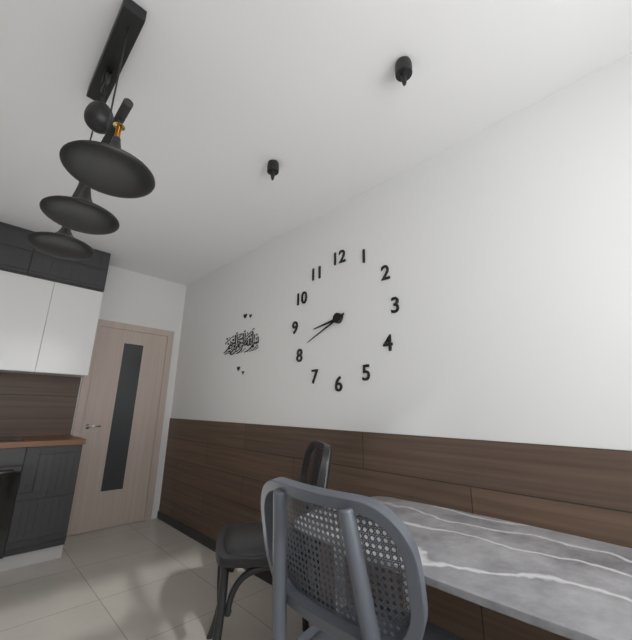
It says 8:41
